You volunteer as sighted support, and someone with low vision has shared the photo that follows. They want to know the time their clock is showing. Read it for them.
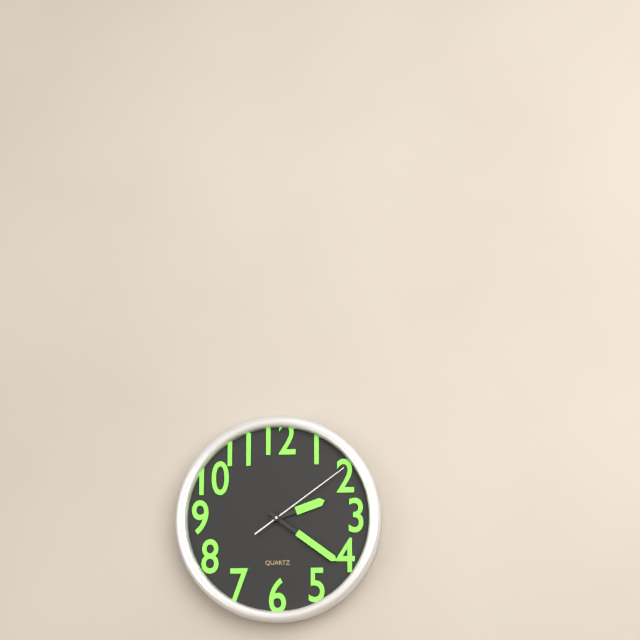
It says 2:21:09
